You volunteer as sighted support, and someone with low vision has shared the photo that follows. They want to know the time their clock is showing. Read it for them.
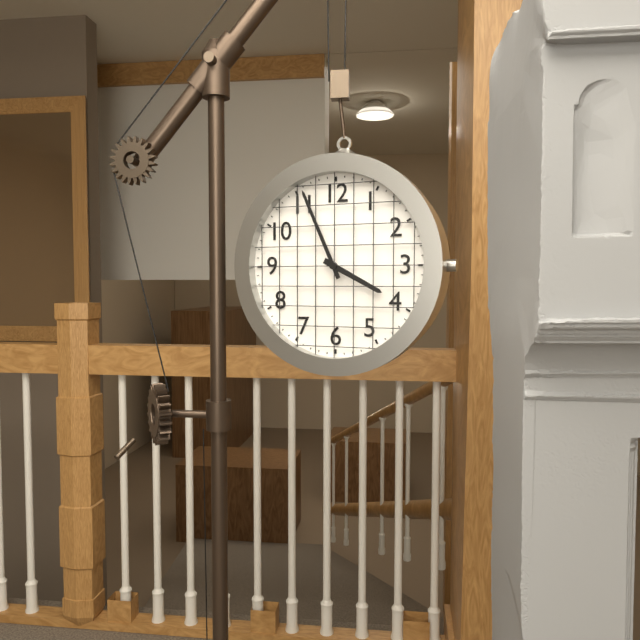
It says 3:56
